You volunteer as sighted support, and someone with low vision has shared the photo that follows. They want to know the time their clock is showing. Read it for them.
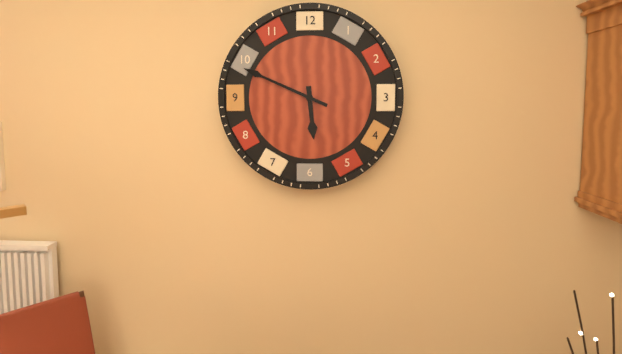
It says 5:49
